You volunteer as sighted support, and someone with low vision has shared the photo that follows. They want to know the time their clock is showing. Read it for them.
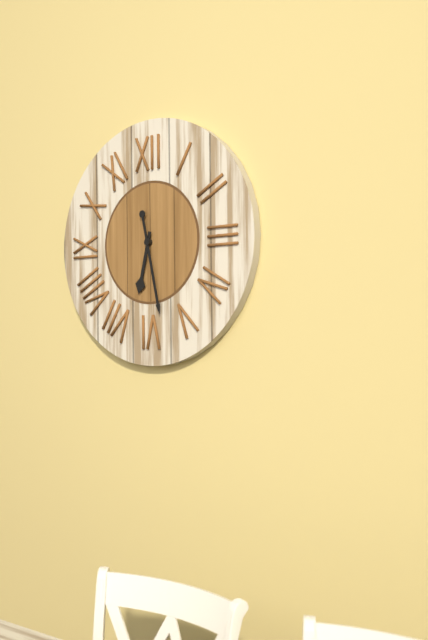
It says 6:28
